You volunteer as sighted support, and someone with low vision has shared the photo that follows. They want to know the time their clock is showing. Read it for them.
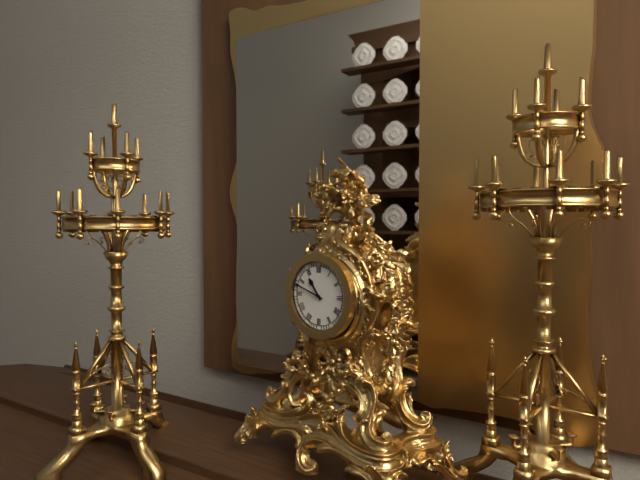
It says 10:48
